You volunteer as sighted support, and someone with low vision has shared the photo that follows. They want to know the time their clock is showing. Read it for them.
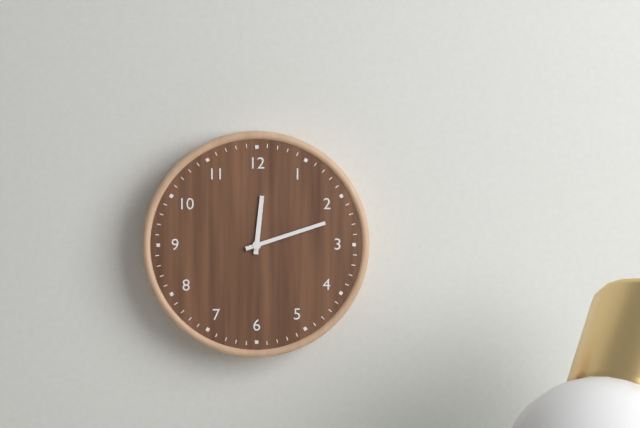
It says 12:12
